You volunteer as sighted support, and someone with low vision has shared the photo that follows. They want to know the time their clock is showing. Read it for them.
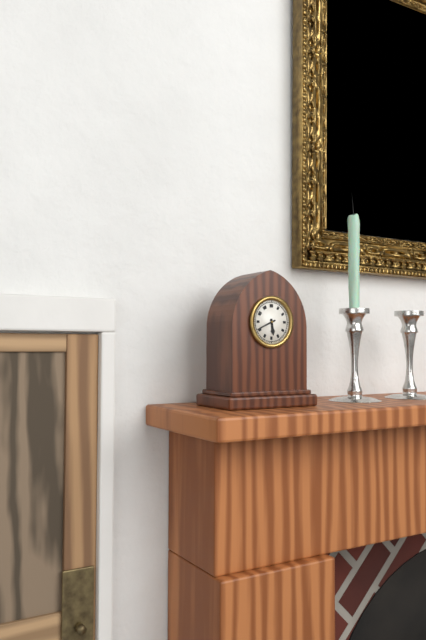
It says 5:41
